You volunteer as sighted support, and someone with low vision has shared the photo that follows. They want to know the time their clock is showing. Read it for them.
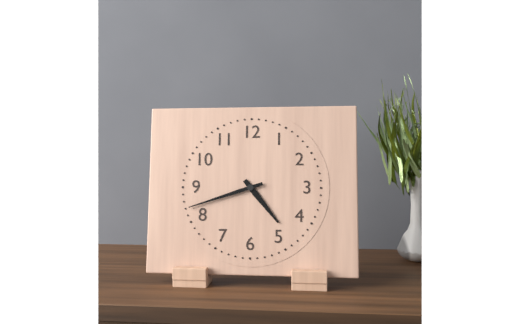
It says 4:42
